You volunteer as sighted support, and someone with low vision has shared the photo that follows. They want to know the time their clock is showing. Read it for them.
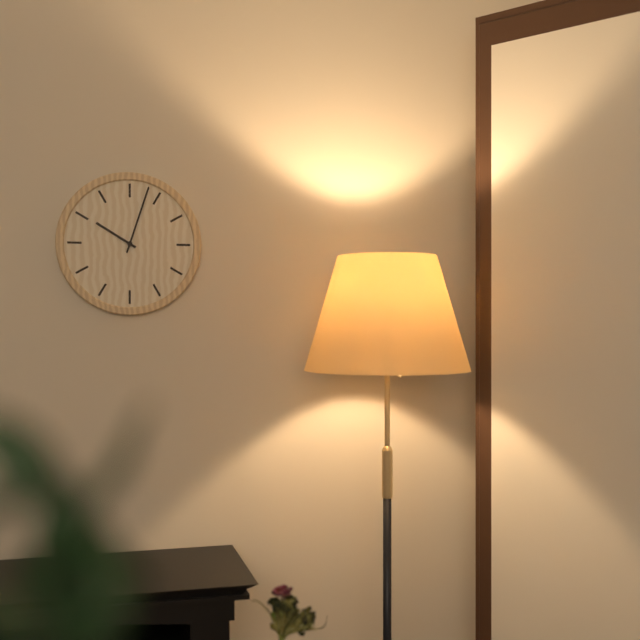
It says 10:03
